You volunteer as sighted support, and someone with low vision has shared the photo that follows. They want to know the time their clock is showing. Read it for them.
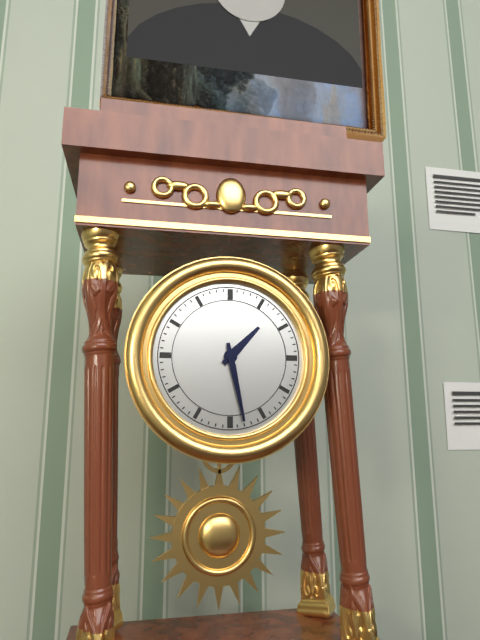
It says 1:28
